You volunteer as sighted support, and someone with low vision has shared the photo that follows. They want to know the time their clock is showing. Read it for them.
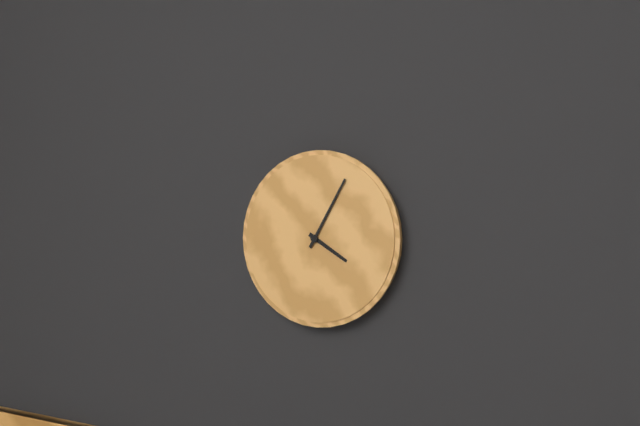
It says 4:05
